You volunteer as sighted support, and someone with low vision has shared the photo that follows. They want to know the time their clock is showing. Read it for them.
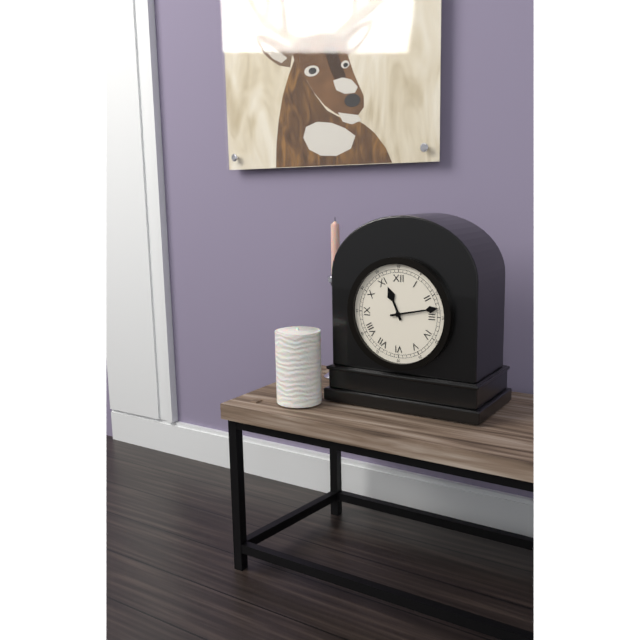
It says 11:13
